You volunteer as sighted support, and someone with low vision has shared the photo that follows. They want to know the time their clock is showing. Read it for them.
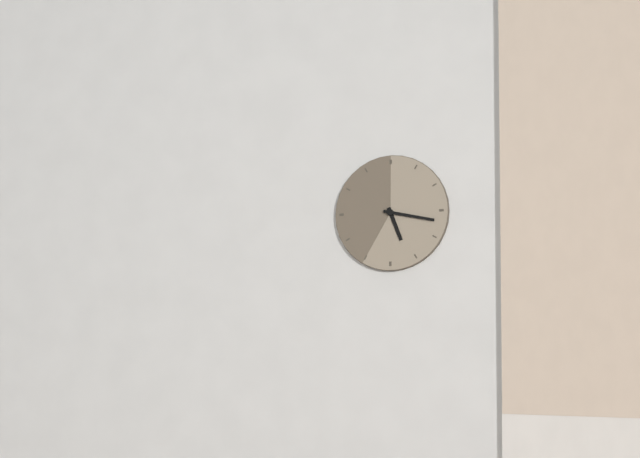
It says 5:17
